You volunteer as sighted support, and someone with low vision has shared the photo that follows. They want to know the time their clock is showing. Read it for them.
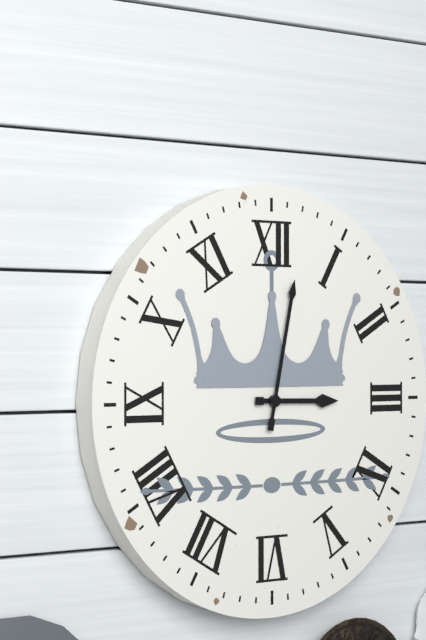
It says 3:02
